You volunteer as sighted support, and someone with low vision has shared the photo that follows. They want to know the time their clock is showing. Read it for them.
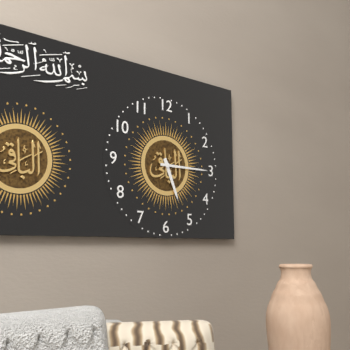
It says 5:15
